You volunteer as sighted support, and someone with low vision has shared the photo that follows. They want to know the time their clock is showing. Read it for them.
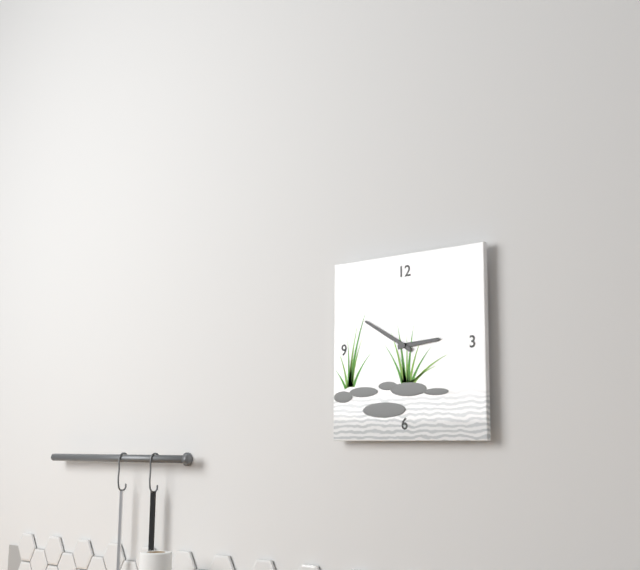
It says 2:50
